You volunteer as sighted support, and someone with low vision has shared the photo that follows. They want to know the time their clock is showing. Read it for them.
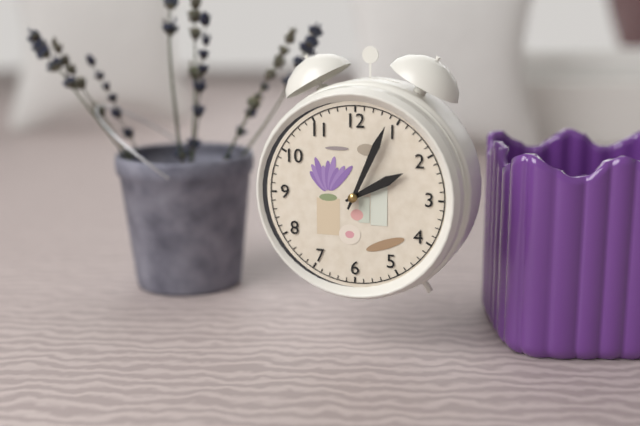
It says 2:04
